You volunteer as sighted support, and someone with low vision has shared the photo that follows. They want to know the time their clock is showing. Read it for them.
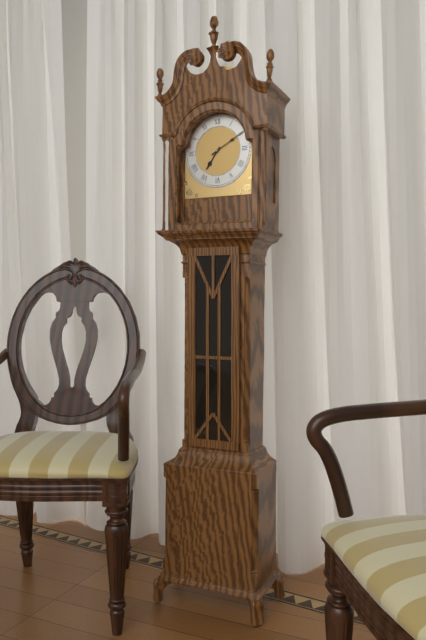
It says 7:10
